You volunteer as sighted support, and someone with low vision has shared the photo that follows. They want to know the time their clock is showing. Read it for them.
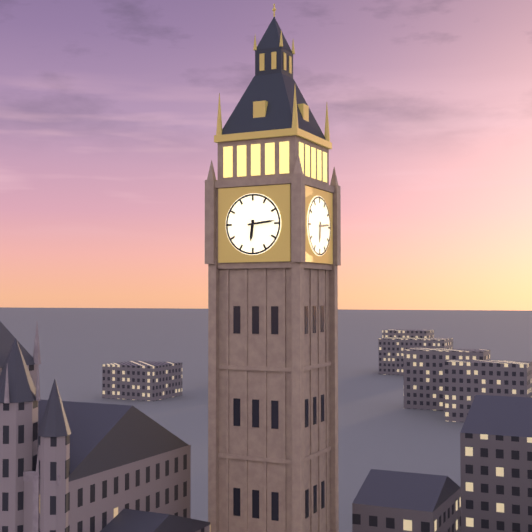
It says 6:14
